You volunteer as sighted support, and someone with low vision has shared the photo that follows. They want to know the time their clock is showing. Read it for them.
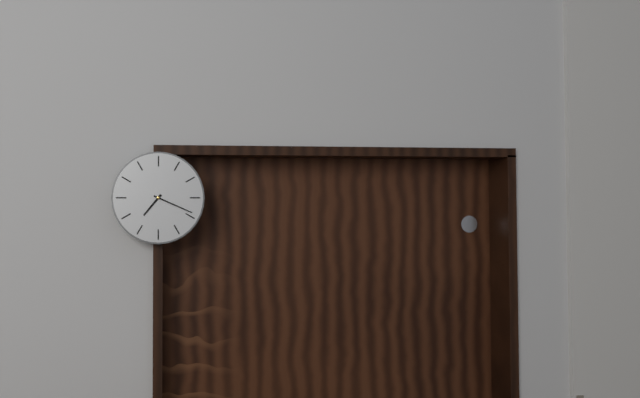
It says 7:19
